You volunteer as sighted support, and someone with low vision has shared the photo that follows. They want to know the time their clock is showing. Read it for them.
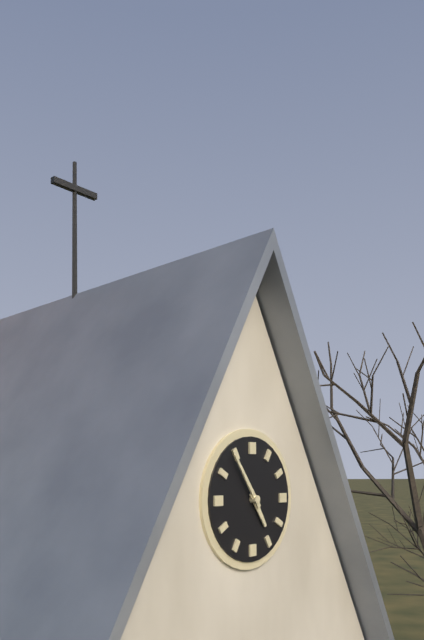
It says 4:54
